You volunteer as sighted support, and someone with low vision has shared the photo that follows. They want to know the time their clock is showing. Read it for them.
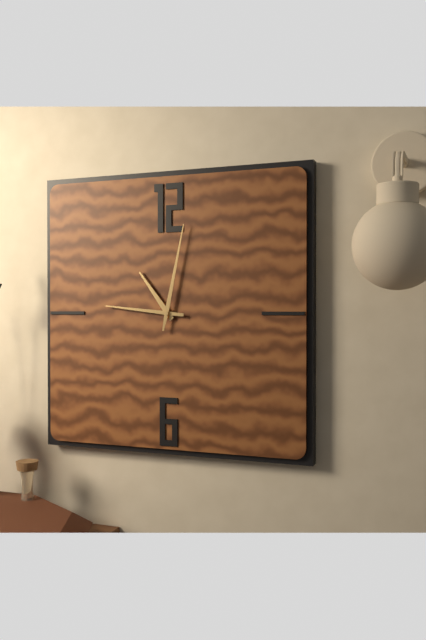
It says 10:46:02
